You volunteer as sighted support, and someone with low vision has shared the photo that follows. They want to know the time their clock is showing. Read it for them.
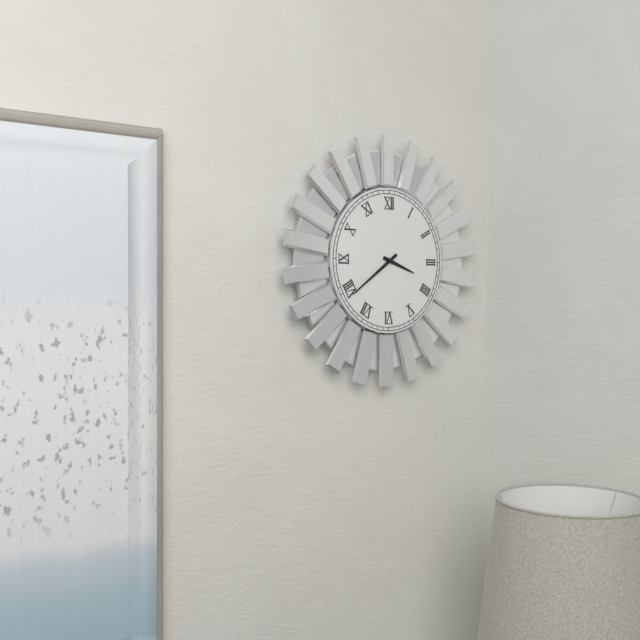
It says 3:39
